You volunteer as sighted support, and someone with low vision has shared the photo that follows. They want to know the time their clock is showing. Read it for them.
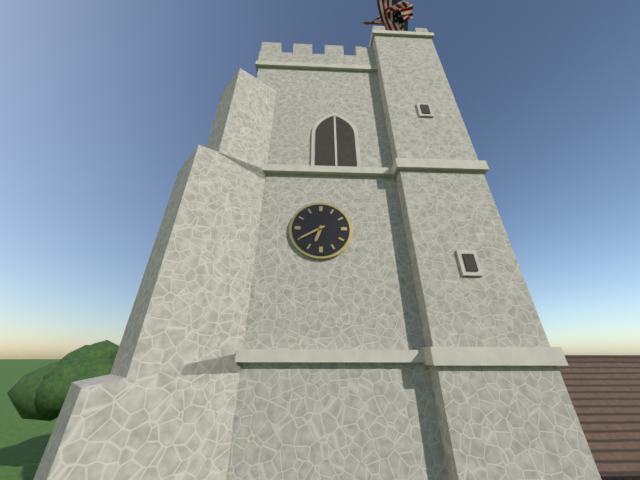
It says 6:40
